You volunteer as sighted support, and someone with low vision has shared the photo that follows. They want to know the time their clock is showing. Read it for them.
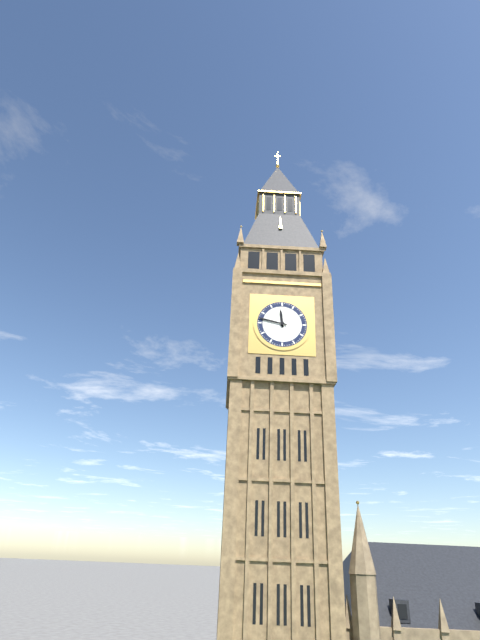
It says 11:47
